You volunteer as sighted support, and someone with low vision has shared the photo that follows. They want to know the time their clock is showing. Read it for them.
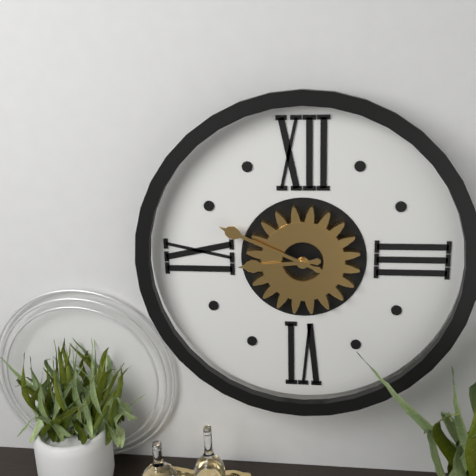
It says 8:49
